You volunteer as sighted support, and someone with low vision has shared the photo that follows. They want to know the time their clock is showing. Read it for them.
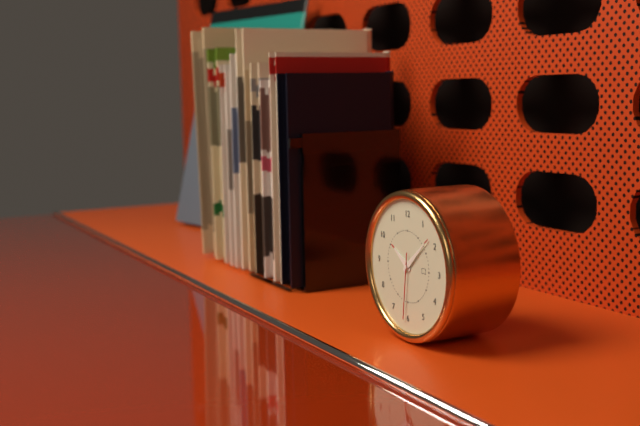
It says 10:08:31
